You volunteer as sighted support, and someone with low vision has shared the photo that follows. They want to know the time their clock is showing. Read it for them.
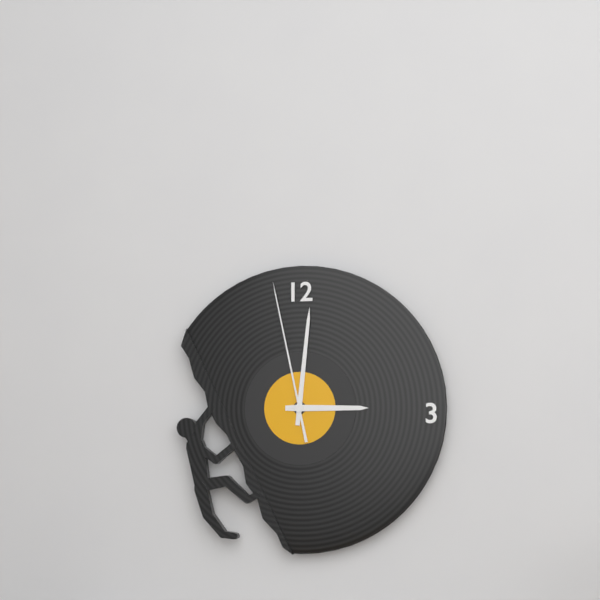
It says 3:01:58
